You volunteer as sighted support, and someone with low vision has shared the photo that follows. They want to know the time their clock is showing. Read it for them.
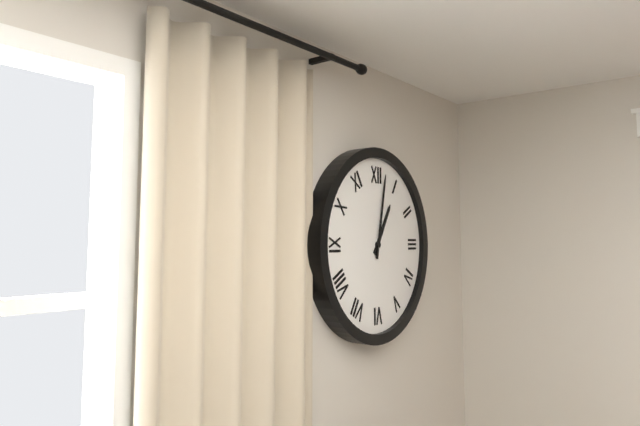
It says 1:02
